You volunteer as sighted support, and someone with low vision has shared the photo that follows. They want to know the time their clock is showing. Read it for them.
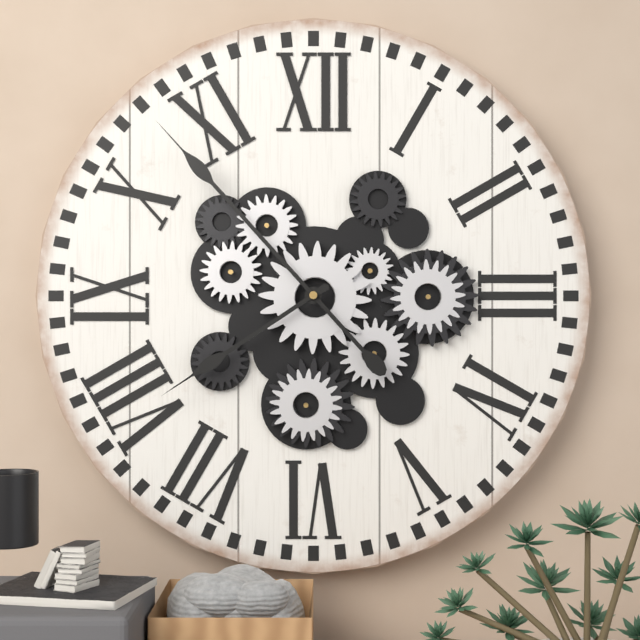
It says 7:53
